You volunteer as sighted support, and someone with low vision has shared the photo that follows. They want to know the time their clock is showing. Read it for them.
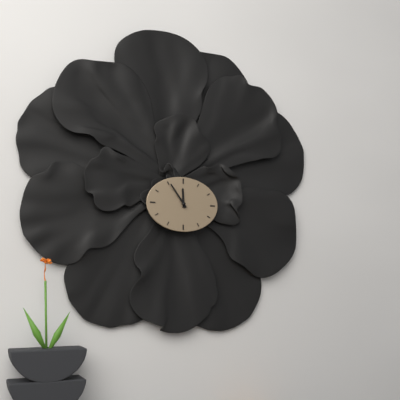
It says 11:54
